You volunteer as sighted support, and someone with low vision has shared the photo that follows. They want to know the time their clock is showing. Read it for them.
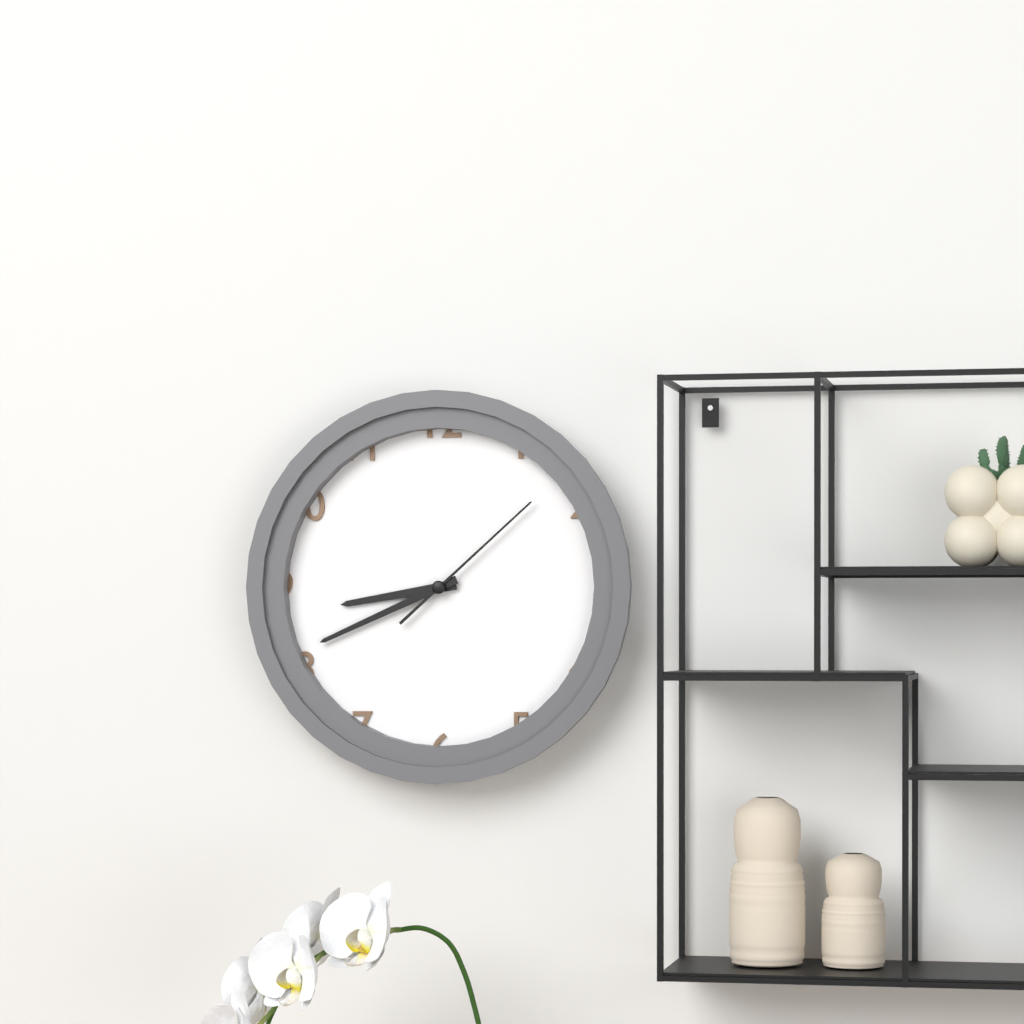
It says 8:41:08
